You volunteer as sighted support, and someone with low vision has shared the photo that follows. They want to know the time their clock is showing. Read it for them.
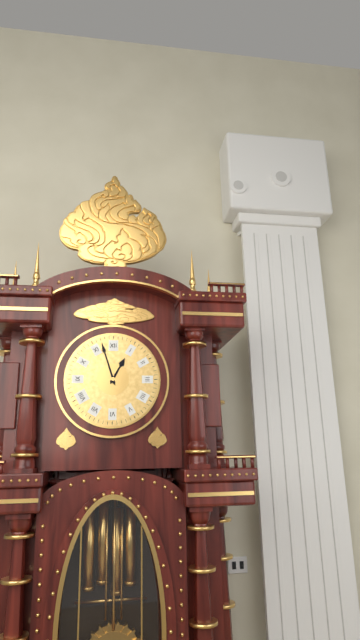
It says 12:57
